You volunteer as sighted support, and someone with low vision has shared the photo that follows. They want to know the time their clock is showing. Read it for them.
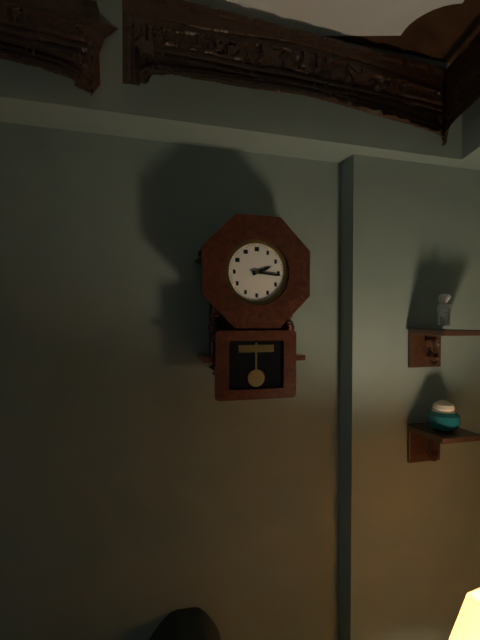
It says 2:16
